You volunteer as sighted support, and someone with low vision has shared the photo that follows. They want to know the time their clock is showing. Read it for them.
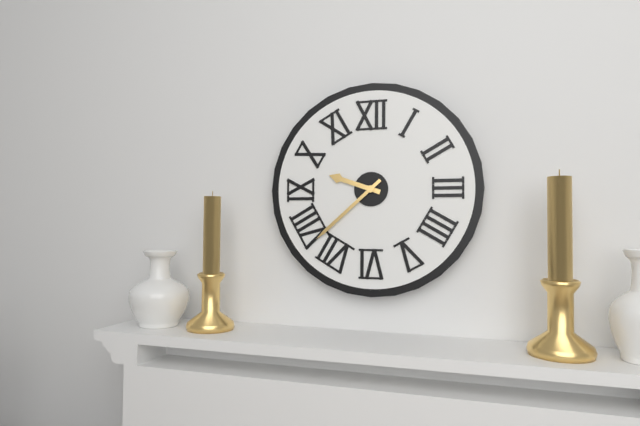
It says 9:38
